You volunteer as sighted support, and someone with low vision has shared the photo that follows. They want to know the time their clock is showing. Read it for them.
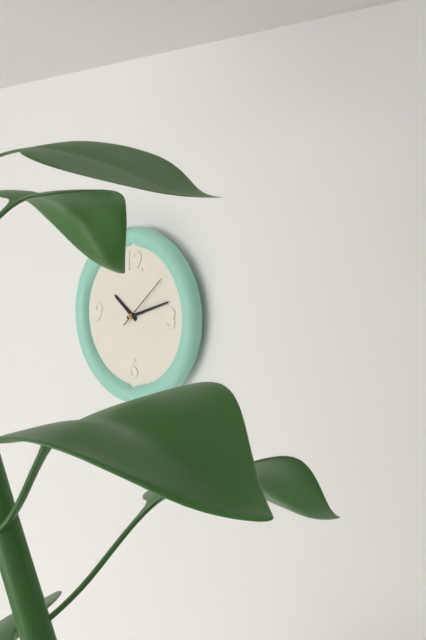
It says 10:12:08
